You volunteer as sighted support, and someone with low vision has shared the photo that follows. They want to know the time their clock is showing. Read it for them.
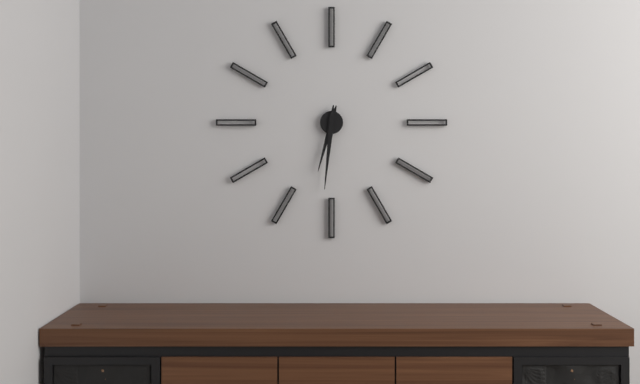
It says 6:31
